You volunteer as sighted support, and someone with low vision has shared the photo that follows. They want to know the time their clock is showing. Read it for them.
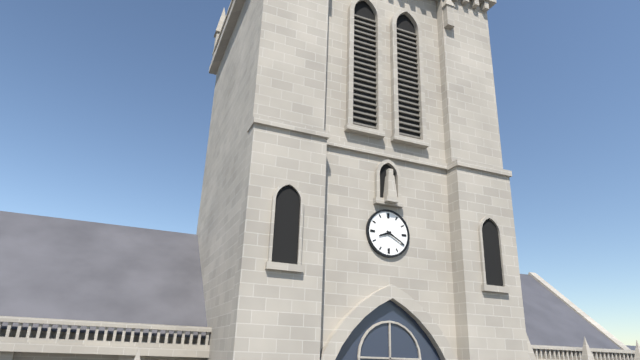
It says 8:20
